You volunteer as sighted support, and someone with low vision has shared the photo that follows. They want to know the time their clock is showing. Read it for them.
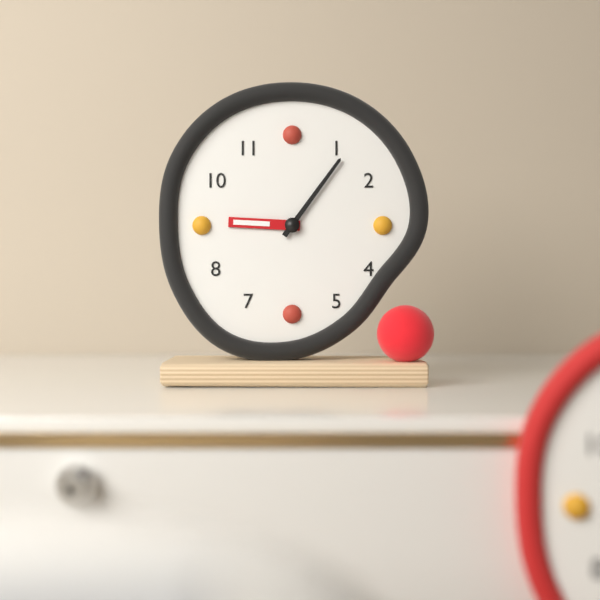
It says 9:06
